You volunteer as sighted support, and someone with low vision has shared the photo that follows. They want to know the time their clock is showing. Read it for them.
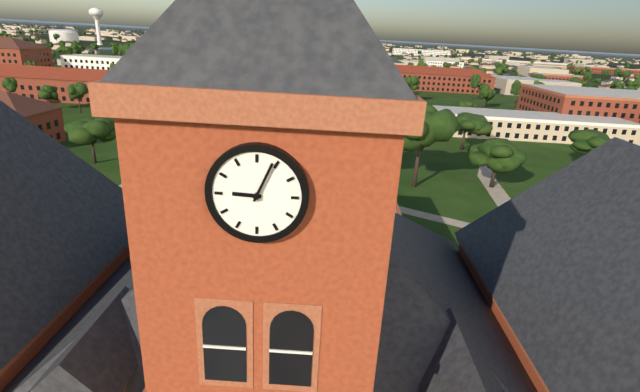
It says 9:04
